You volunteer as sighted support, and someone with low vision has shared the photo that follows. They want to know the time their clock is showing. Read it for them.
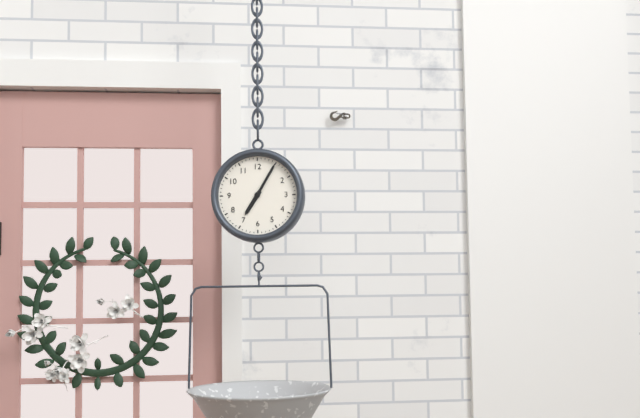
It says 7:05
